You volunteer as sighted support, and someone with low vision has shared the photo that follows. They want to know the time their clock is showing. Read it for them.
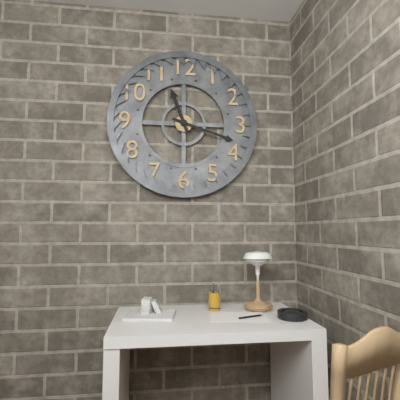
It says 11:18
